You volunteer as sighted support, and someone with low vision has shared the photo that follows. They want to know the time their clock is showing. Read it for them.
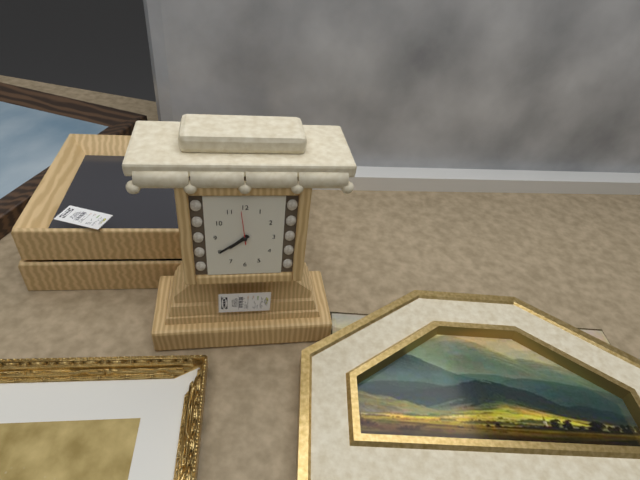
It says 7:39
